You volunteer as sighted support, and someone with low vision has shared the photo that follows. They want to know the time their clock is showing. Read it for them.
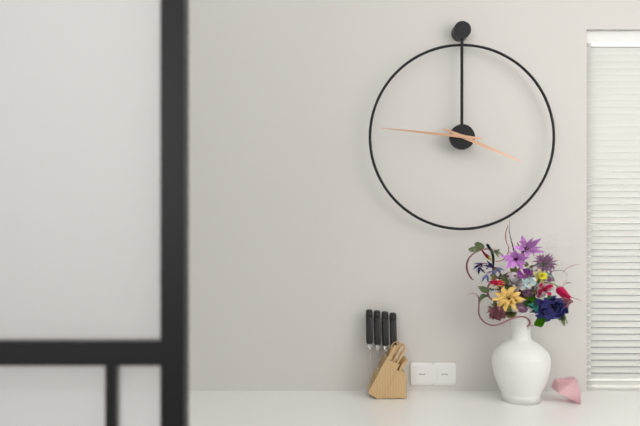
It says 3:46
